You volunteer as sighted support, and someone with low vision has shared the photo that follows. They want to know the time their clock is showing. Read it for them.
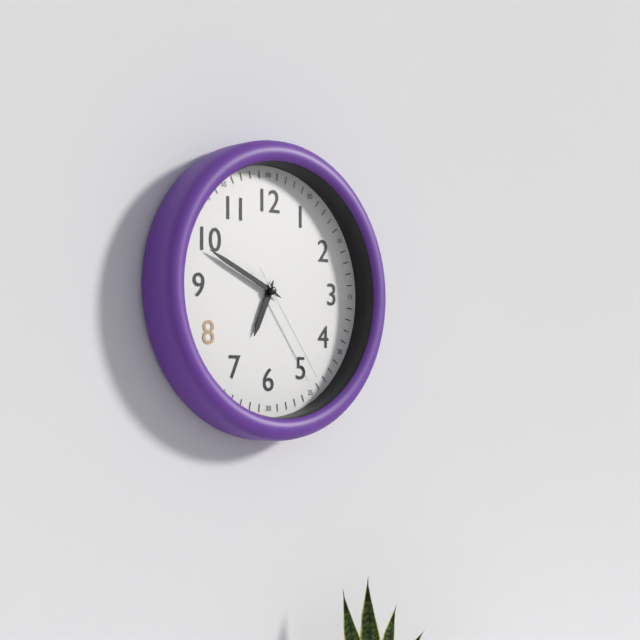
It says 6:49:24
